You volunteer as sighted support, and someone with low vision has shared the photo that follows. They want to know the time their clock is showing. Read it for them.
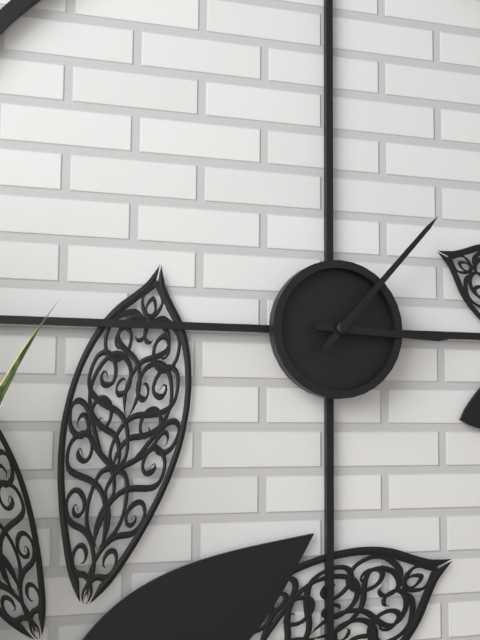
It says 3:07
